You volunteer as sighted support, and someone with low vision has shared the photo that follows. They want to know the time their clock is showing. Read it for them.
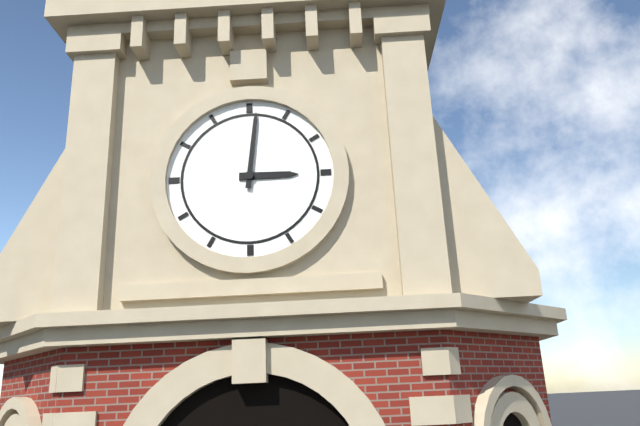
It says 3:01
